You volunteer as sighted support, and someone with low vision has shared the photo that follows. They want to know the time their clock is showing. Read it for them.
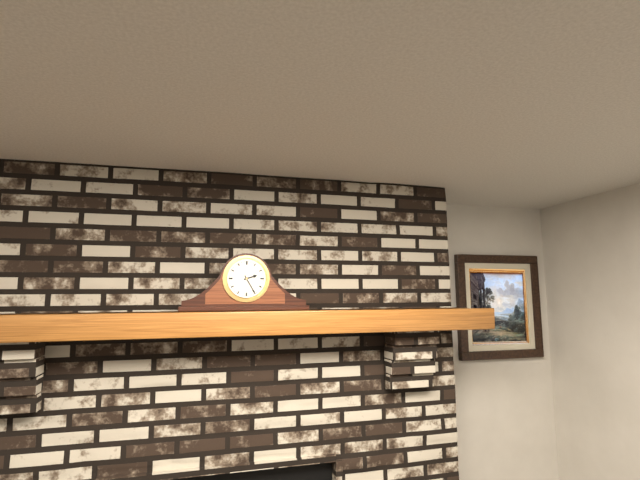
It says 2:25
